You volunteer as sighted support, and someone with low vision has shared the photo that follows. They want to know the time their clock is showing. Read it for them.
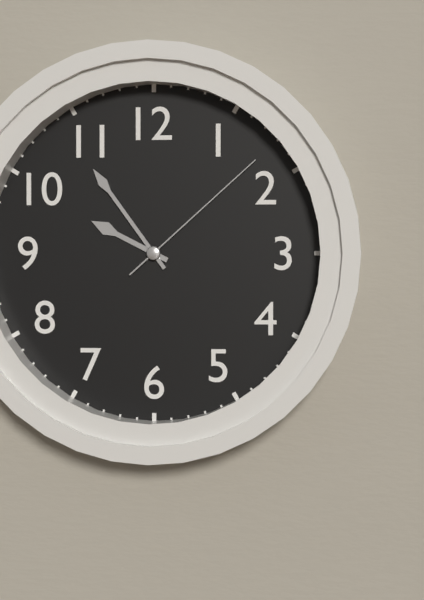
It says 9:54:08
